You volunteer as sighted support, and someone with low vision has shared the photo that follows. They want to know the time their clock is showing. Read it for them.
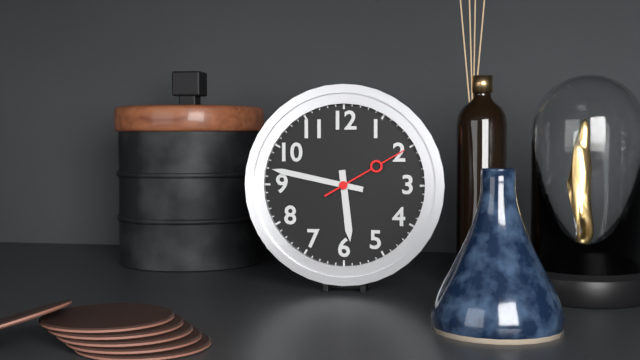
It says 5:47:10
